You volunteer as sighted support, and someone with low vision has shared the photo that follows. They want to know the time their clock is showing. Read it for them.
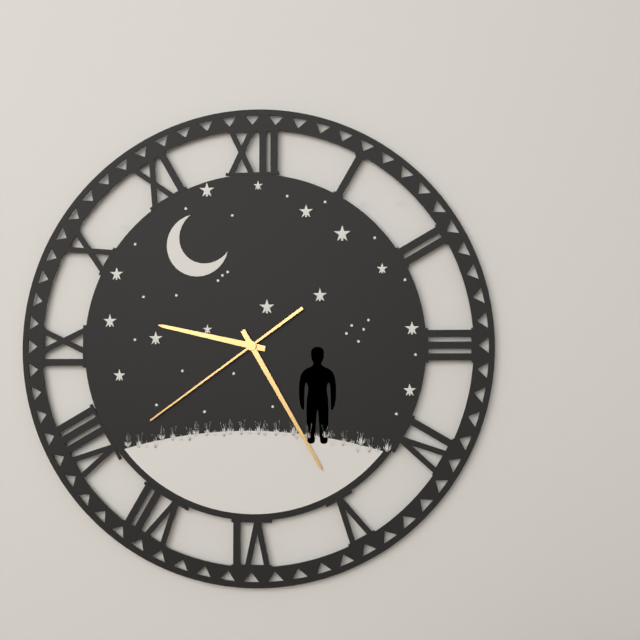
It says 9:25:39
